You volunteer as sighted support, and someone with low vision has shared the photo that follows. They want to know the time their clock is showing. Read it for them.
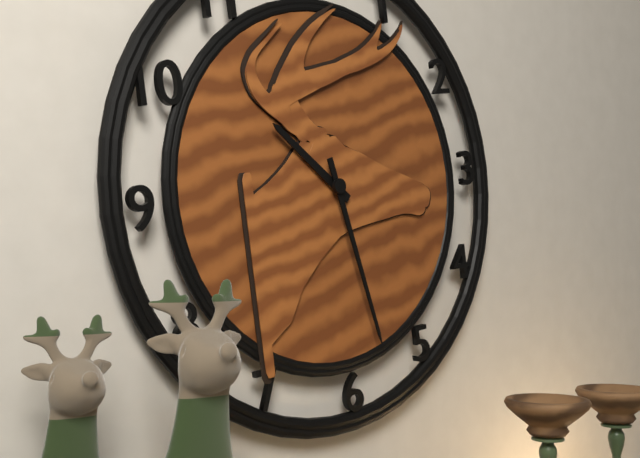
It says 10:28
